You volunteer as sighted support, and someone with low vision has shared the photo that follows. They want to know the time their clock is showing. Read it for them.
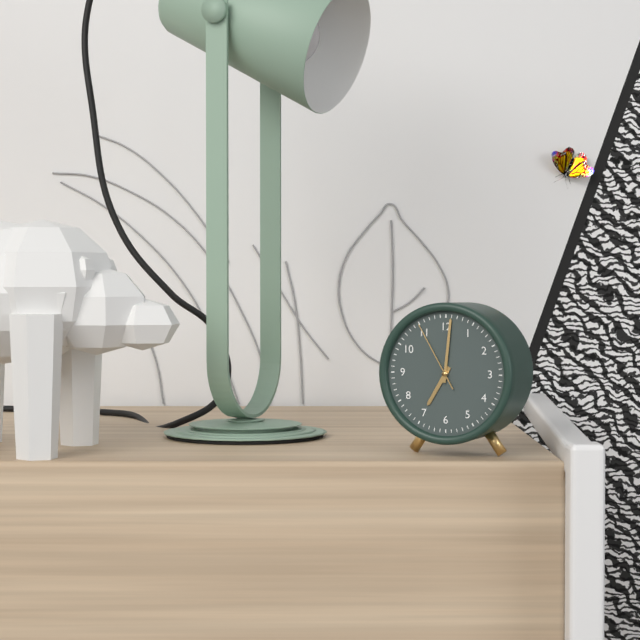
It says 7:01:55
